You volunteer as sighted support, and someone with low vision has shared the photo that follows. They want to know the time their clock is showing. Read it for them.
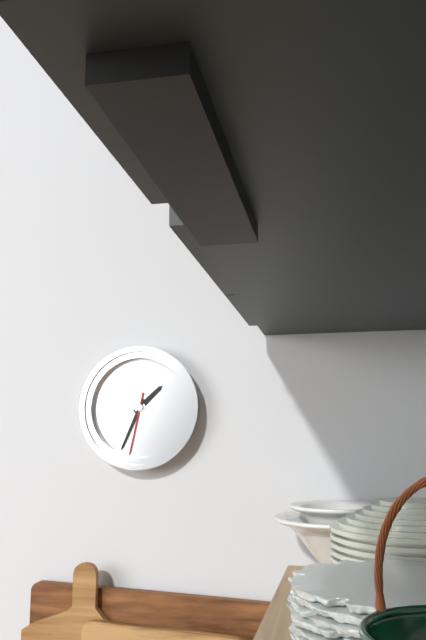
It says 1:34:32
